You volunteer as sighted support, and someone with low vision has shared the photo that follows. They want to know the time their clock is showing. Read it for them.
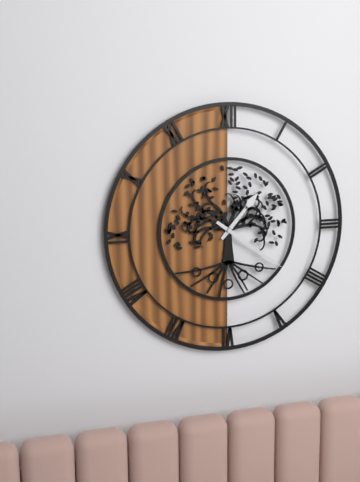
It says 1:21
